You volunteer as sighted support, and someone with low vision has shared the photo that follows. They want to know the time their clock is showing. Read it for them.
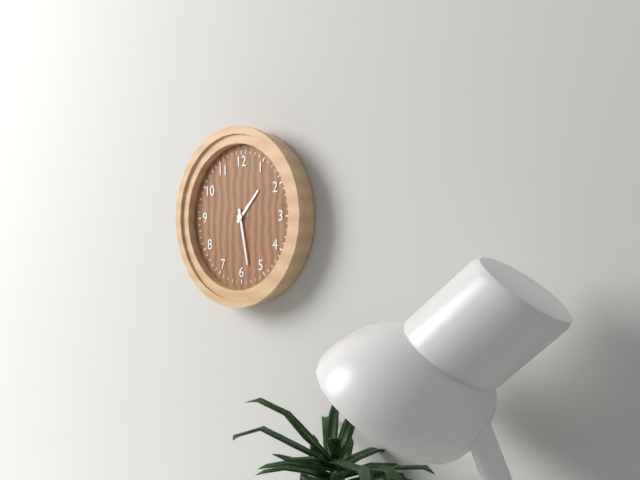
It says 1:28
